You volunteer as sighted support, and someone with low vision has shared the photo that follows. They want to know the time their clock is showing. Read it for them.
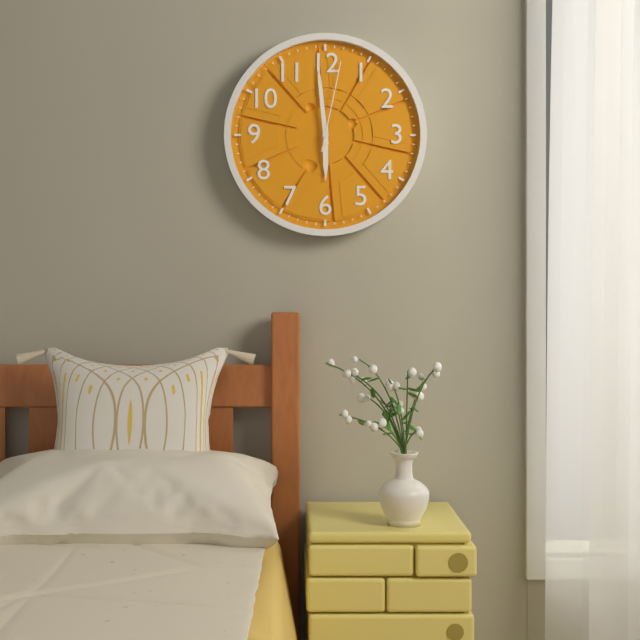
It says 5:59:02
